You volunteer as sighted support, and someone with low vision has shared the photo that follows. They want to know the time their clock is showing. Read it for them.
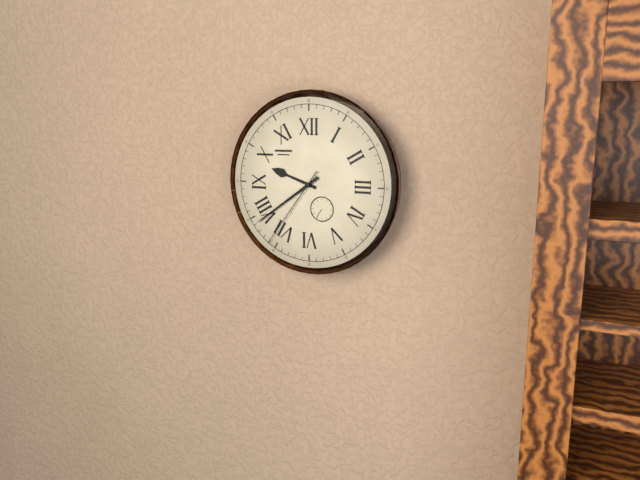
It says 9:39:36
